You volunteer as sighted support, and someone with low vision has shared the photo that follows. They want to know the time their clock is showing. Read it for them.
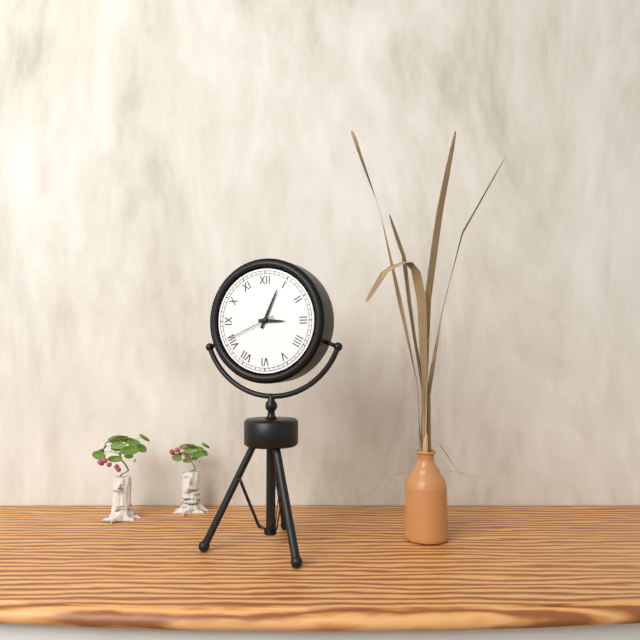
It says 3:04:41
